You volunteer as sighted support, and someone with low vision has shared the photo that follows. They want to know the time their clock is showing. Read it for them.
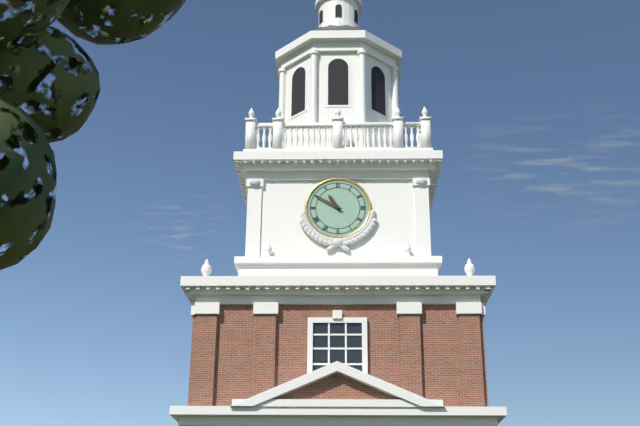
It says 10:50
